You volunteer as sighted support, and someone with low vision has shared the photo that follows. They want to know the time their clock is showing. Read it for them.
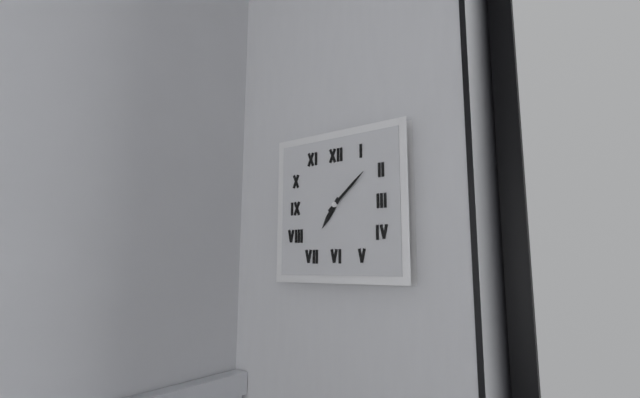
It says 7:08
